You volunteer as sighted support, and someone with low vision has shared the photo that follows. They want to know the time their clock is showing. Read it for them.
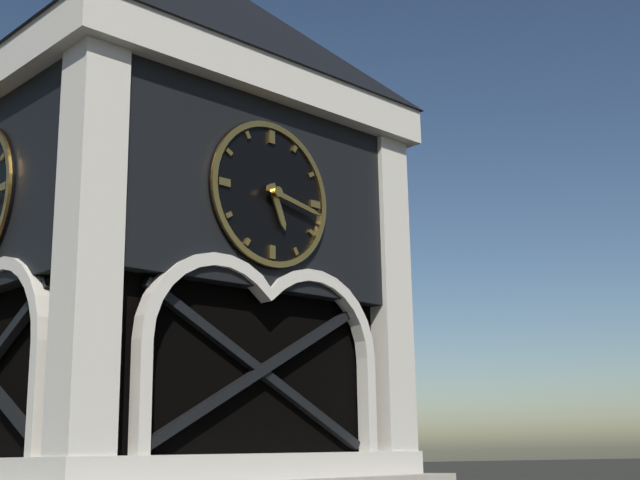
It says 5:17
